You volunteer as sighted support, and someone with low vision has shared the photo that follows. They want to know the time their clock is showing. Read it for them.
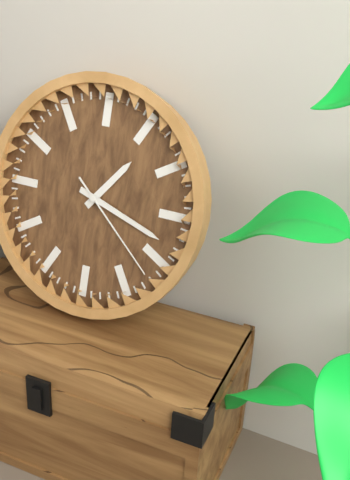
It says 1:18:22
